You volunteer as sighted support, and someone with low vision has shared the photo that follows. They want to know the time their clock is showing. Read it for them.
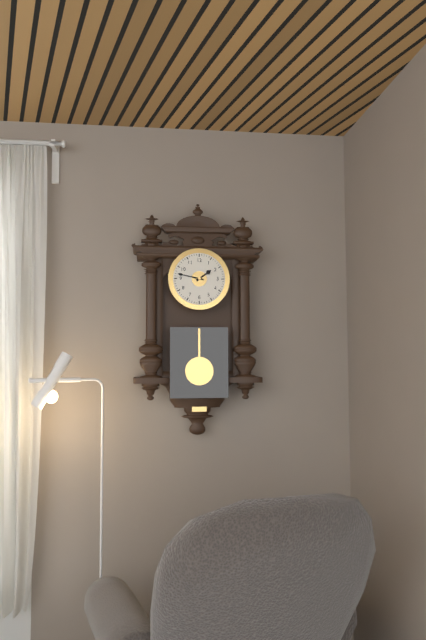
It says 1:47
